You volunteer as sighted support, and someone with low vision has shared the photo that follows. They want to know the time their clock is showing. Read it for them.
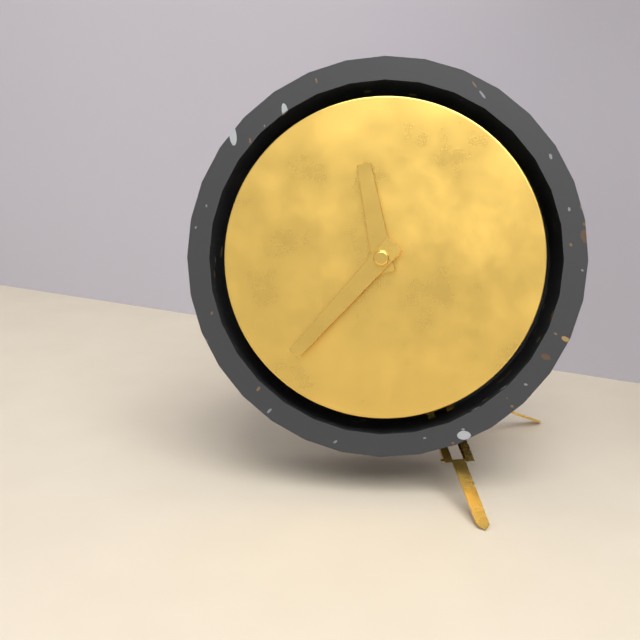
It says 11:37
